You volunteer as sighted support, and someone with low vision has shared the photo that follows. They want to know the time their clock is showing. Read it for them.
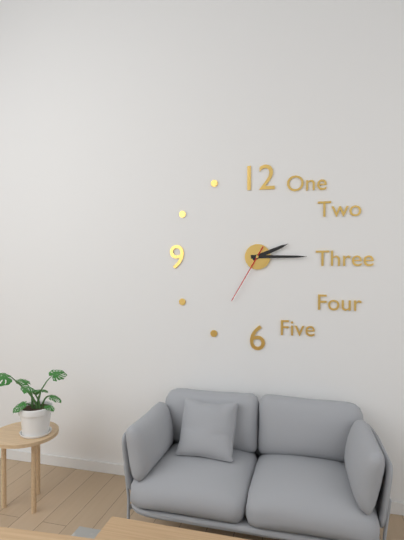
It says 2:15:35
